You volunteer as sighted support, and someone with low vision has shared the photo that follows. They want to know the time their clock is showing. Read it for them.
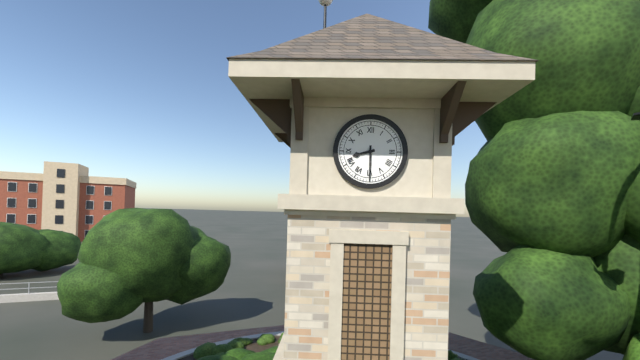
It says 8:30
